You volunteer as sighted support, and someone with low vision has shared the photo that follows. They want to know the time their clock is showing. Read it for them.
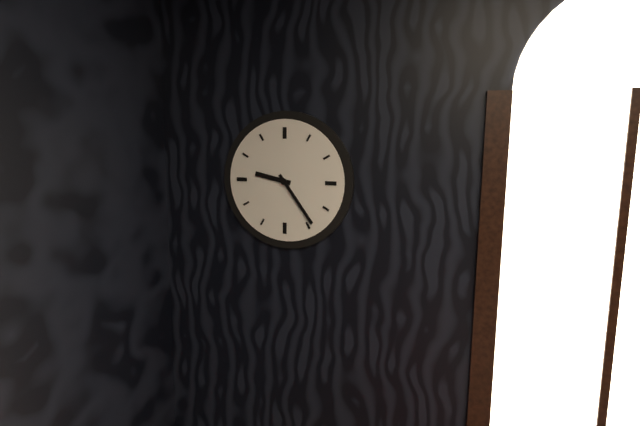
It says 9:24
